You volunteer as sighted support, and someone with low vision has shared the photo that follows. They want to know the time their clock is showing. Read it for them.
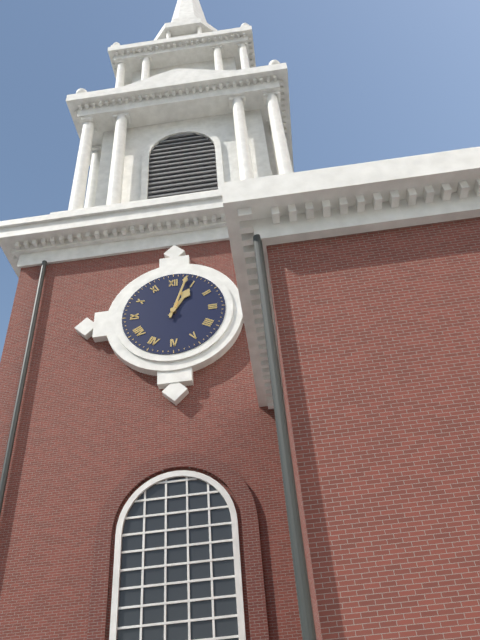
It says 1:03
